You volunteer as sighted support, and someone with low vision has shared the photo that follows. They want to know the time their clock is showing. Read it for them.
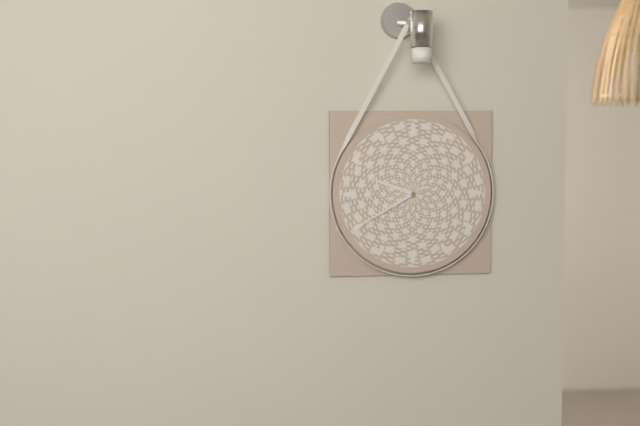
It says 9:40
